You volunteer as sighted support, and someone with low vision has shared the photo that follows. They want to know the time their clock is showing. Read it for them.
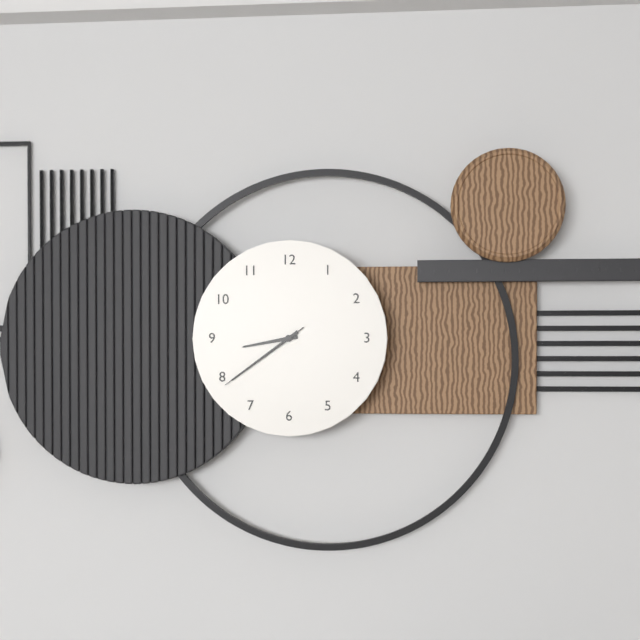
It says 8:39:39
